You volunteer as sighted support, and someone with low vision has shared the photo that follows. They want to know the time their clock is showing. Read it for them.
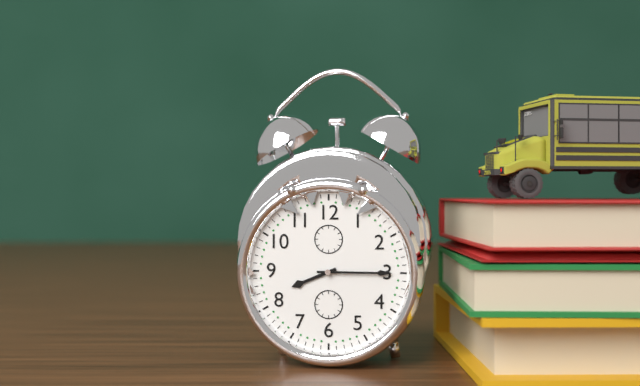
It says 8:15
